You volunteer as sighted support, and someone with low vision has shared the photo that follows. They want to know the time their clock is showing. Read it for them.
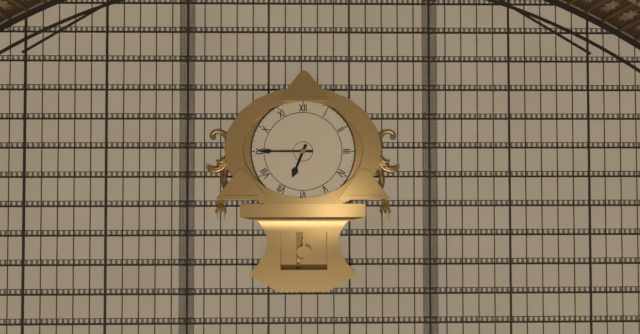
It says 6:45
